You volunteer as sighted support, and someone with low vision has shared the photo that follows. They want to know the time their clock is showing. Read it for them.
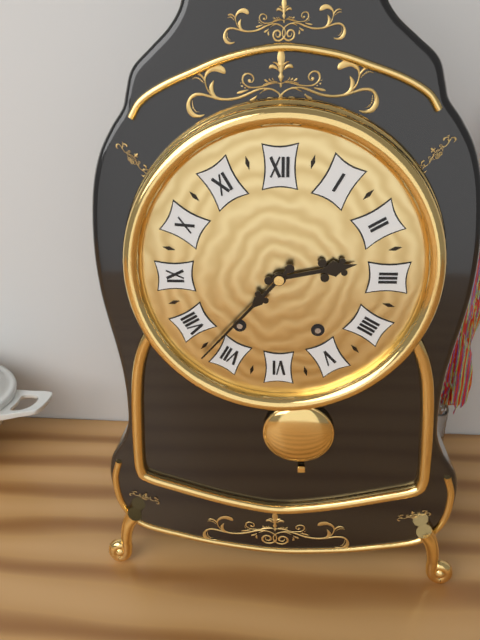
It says 2:37
